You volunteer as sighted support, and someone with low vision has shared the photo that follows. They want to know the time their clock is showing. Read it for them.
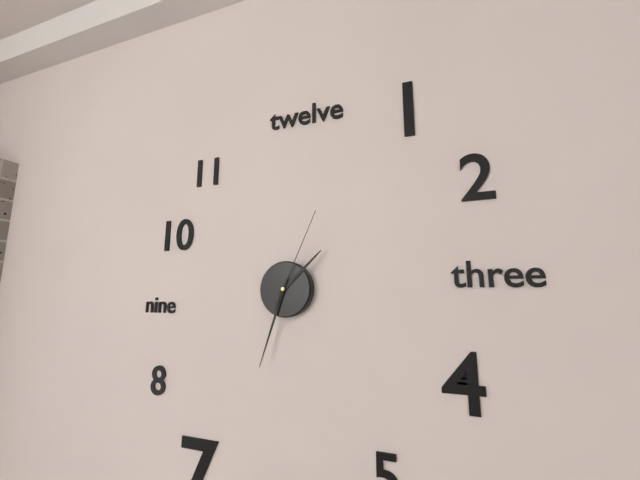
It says 1:33:04
